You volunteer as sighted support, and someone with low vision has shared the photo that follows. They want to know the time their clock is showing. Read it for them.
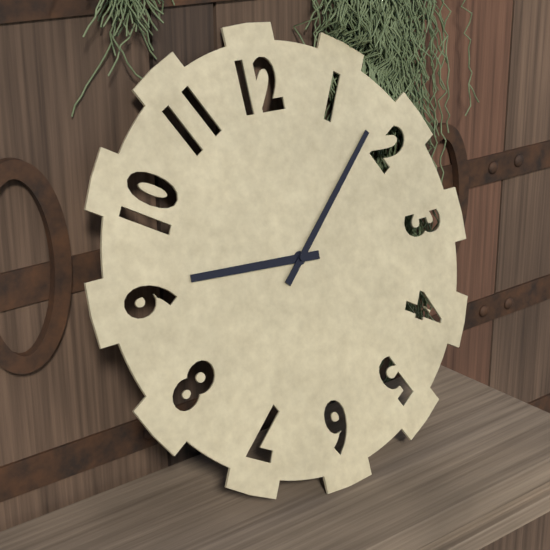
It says 9:08
